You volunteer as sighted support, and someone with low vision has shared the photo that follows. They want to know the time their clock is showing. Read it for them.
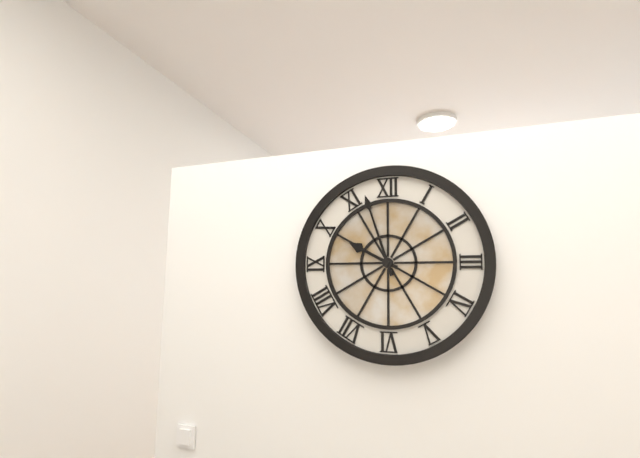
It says 9:57
